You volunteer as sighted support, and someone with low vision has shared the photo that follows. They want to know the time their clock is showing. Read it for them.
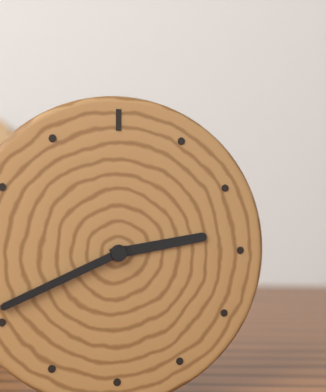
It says 2:41
